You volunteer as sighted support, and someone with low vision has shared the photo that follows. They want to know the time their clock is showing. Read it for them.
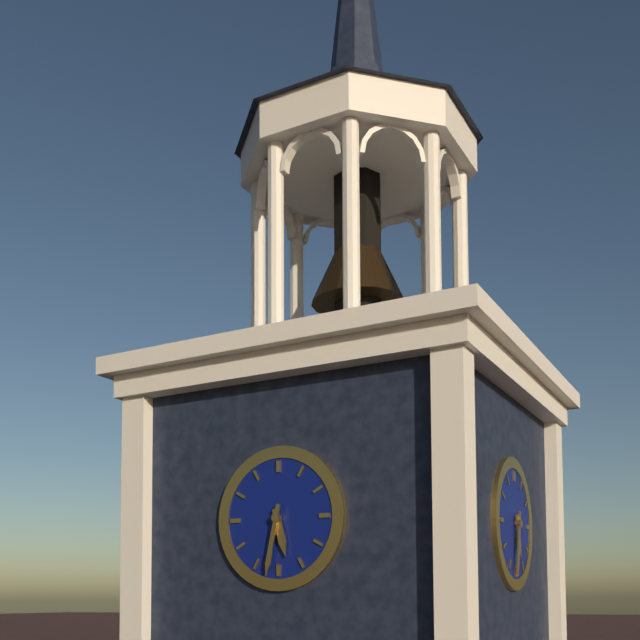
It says 5:32
